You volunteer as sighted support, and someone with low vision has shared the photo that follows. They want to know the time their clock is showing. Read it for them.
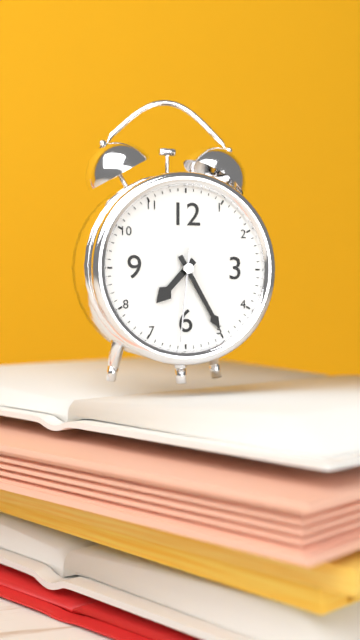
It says 7:25:31
